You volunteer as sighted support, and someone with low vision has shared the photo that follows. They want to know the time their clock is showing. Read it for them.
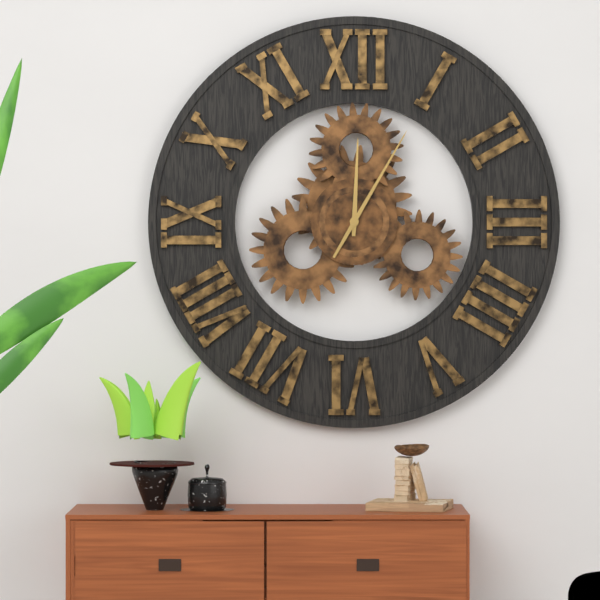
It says 12:05
